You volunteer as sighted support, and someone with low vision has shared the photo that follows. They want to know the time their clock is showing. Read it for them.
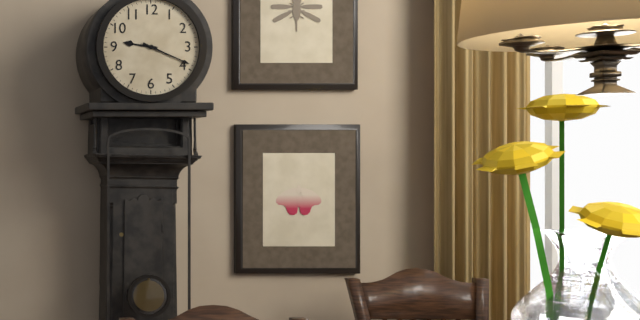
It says 9:19
